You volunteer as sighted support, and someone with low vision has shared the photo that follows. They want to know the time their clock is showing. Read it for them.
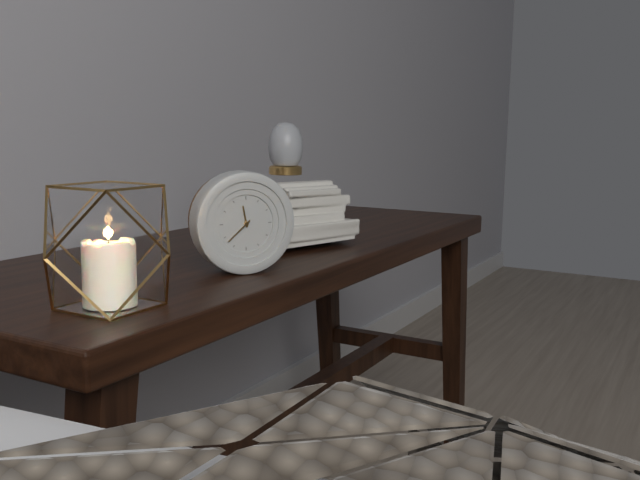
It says 11:38
